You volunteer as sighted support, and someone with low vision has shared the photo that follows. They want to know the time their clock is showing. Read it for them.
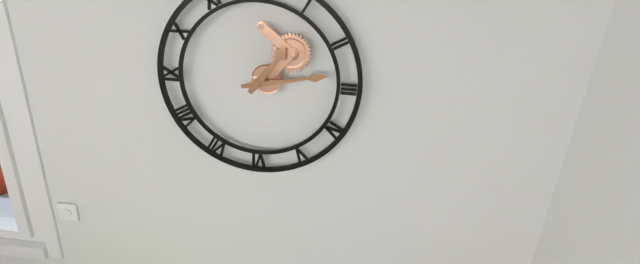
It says 1:13
